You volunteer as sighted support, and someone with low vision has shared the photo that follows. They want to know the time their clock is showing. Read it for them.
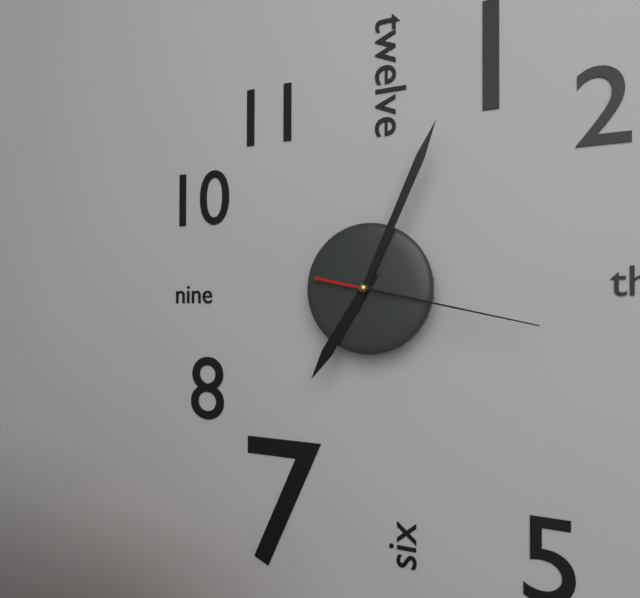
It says 7:04:17
